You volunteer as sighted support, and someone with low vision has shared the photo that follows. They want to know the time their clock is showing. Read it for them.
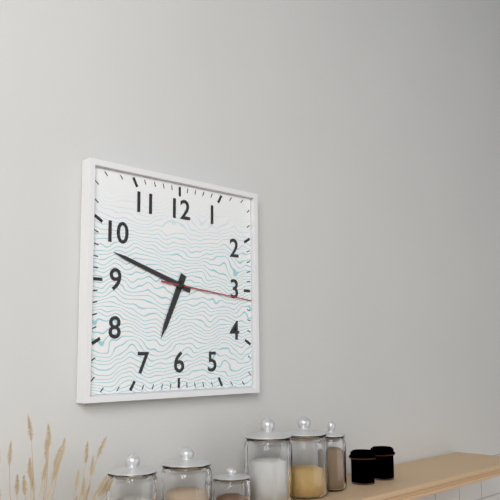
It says 6:48:16
